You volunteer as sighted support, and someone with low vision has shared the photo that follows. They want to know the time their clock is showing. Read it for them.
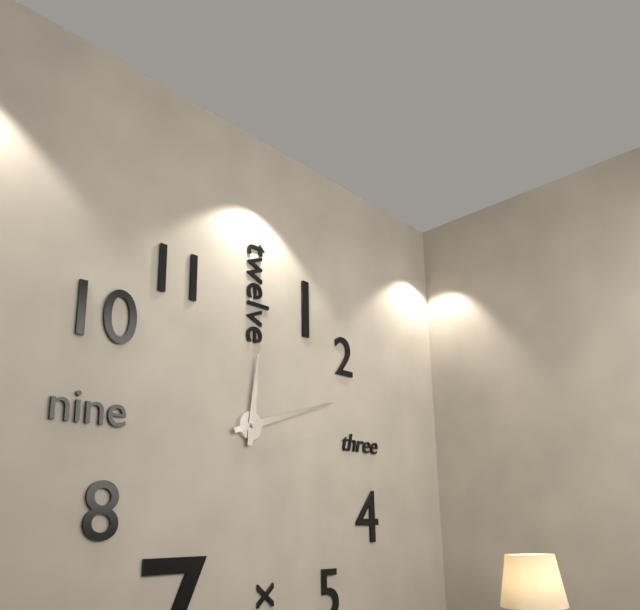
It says 12:12
